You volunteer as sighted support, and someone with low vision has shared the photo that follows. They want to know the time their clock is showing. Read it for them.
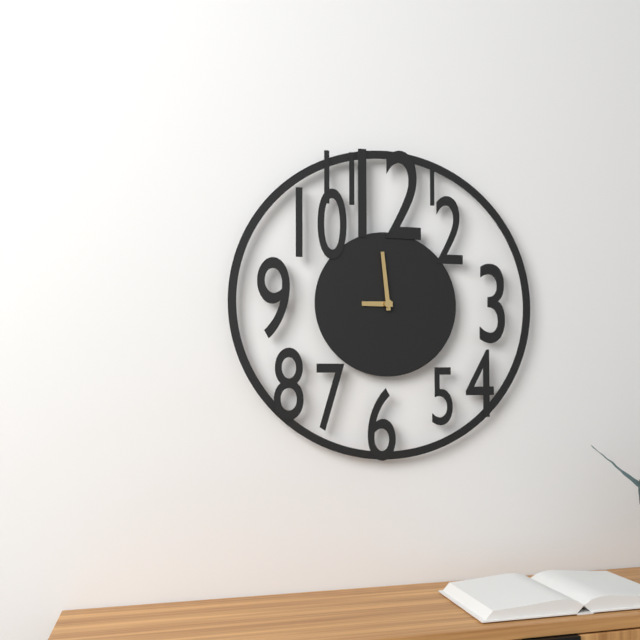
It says 8:59
